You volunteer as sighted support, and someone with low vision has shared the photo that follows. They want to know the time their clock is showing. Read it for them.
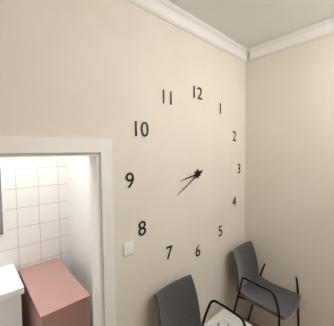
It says 8:40
